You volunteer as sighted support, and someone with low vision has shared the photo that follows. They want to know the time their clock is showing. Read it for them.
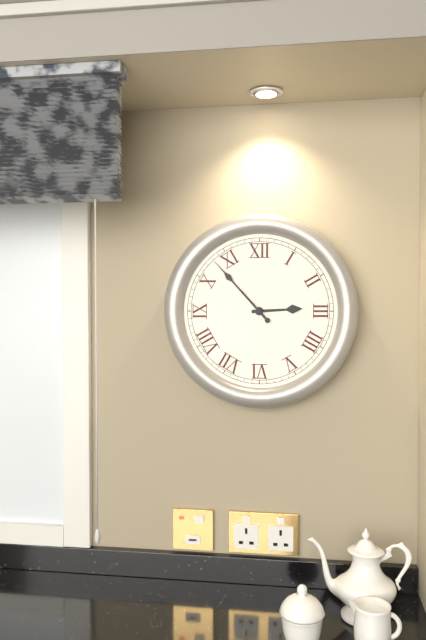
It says 2:53
